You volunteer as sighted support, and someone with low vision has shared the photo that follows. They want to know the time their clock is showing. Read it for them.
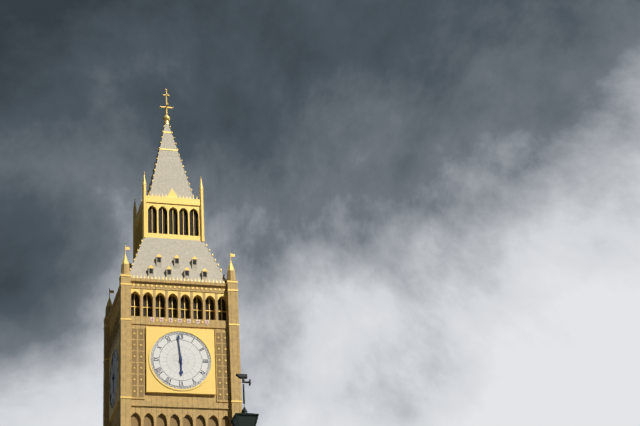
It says 5:59
